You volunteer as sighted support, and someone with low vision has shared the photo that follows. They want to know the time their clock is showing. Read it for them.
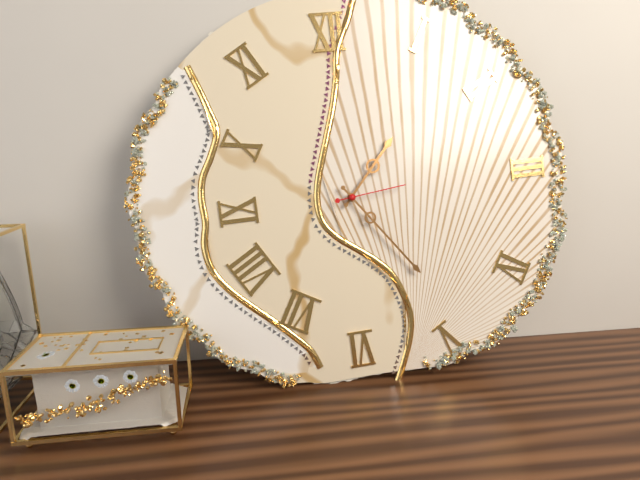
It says 1:24:14
